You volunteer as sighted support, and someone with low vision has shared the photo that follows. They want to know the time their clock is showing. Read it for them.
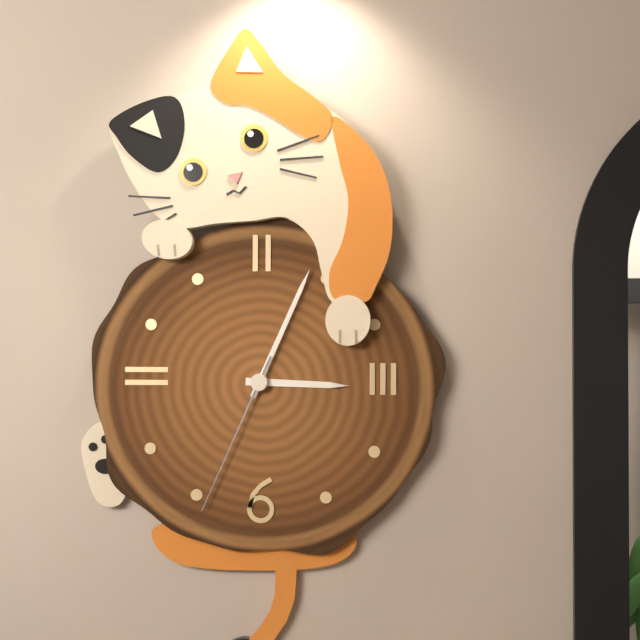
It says 3:04:34
